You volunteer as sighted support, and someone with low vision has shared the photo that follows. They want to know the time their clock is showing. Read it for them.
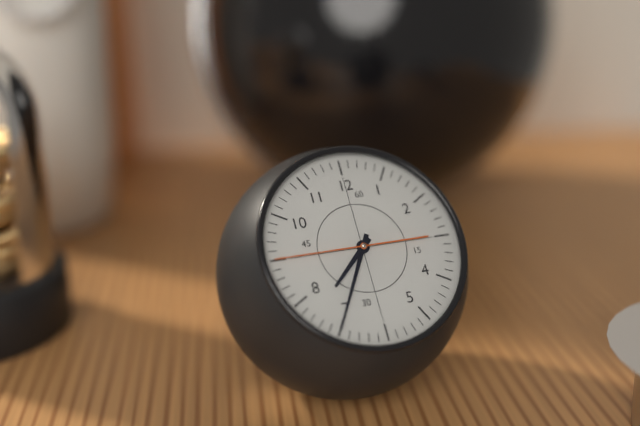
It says 7:35:45
